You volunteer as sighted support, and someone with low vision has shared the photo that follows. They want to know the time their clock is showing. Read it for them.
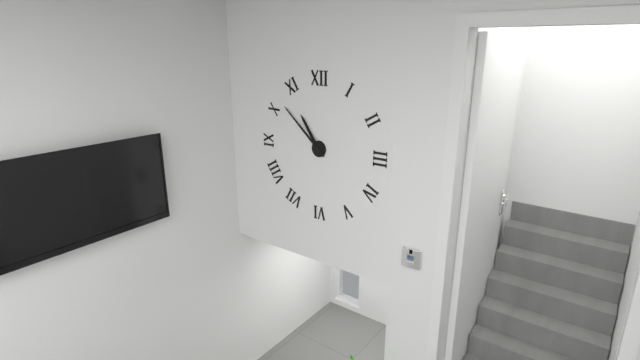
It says 10:52
